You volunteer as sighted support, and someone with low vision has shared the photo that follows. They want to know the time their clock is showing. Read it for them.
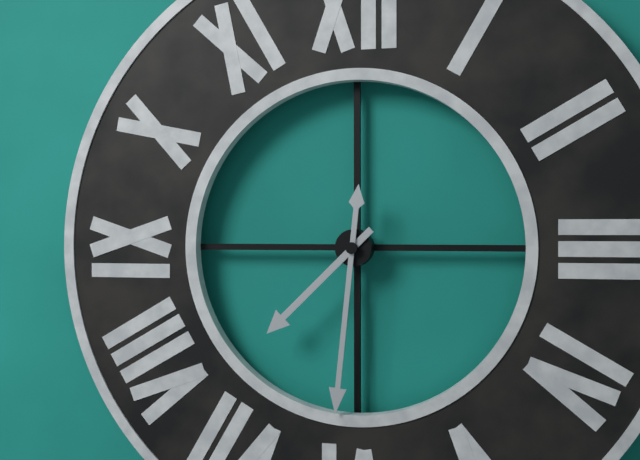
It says 7:31
